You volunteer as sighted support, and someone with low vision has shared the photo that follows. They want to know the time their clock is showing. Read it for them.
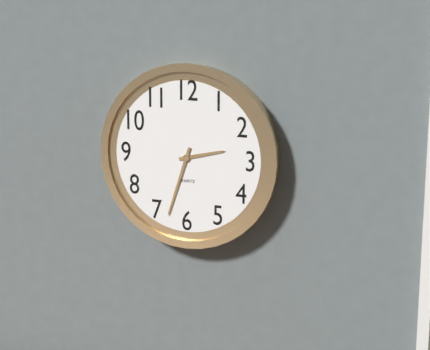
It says 2:33
